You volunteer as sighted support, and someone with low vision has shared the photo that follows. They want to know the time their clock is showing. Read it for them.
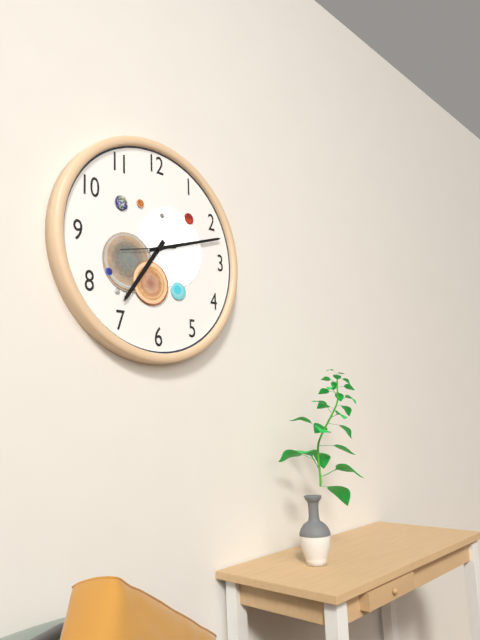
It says 7:12
